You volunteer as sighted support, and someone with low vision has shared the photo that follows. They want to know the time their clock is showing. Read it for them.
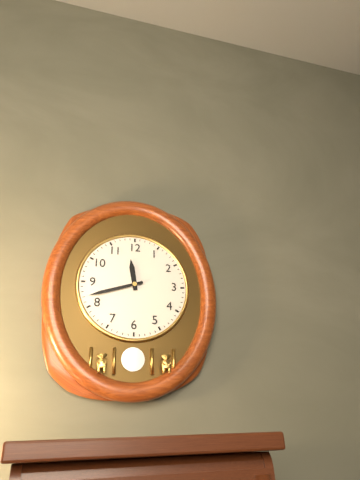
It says 11:42
